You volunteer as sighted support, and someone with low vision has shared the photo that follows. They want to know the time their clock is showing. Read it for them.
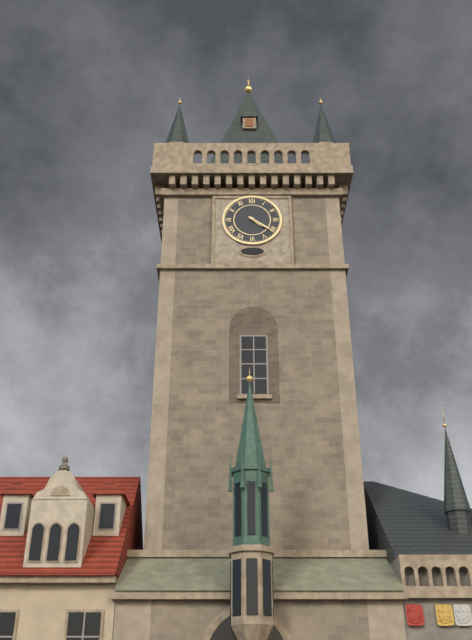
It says 4:21
